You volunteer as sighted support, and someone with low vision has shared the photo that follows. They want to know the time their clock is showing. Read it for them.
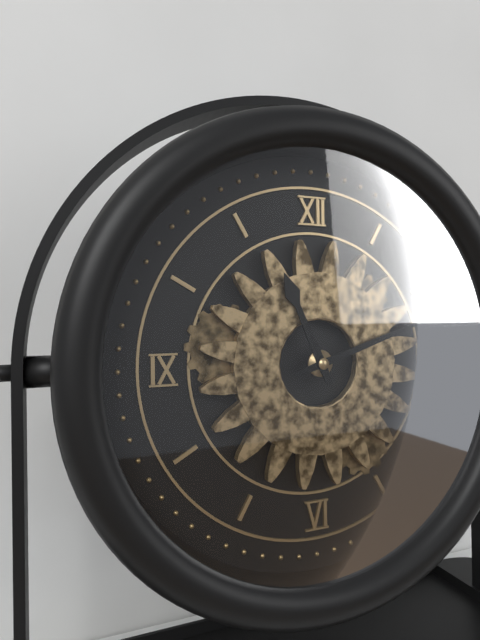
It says 11:12
